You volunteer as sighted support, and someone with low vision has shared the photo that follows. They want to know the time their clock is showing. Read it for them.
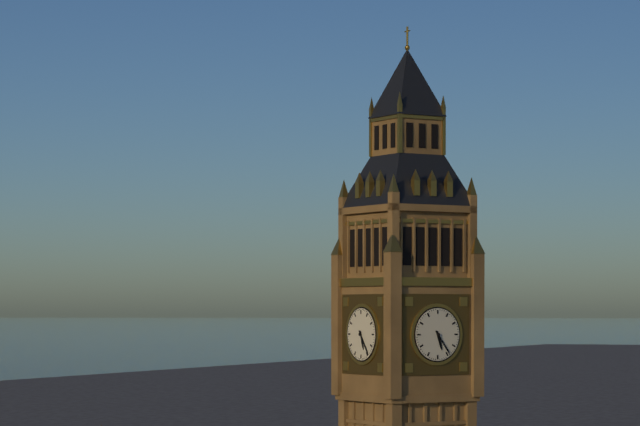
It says 5:24
